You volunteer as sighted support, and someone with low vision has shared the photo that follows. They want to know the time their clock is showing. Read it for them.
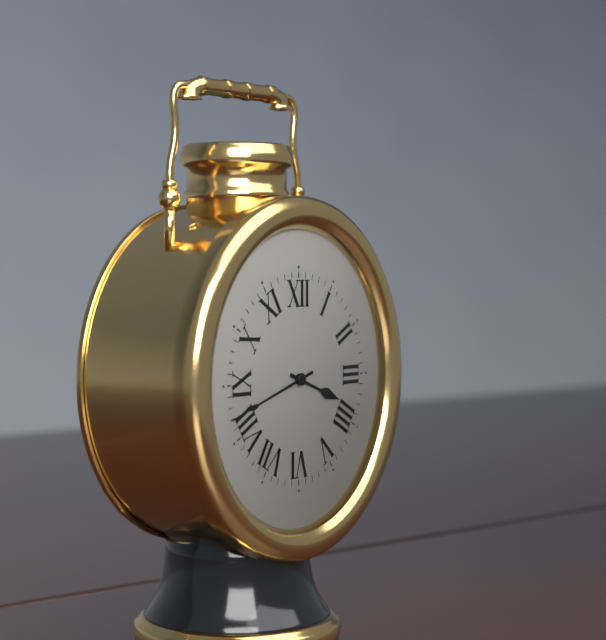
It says 3:42
